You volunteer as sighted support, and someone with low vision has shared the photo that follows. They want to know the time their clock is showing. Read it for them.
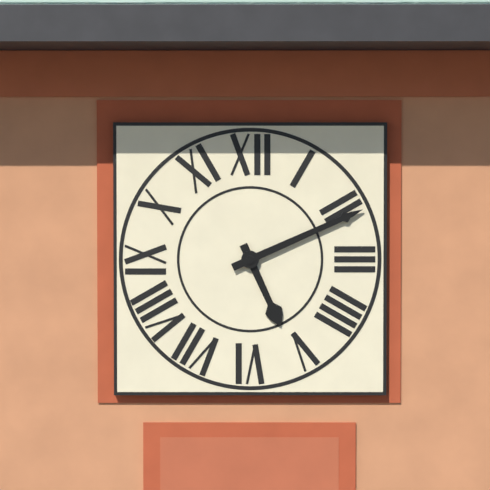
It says 5:11
